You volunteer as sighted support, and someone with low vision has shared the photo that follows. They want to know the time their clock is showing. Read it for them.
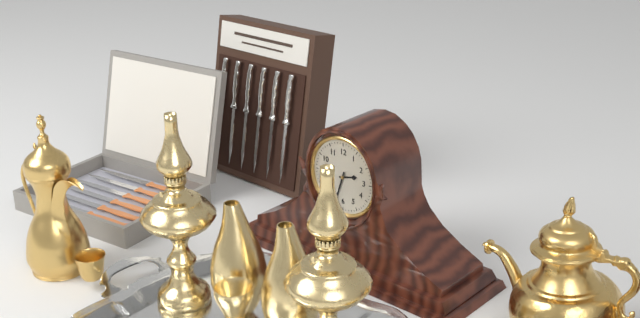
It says 2:33
